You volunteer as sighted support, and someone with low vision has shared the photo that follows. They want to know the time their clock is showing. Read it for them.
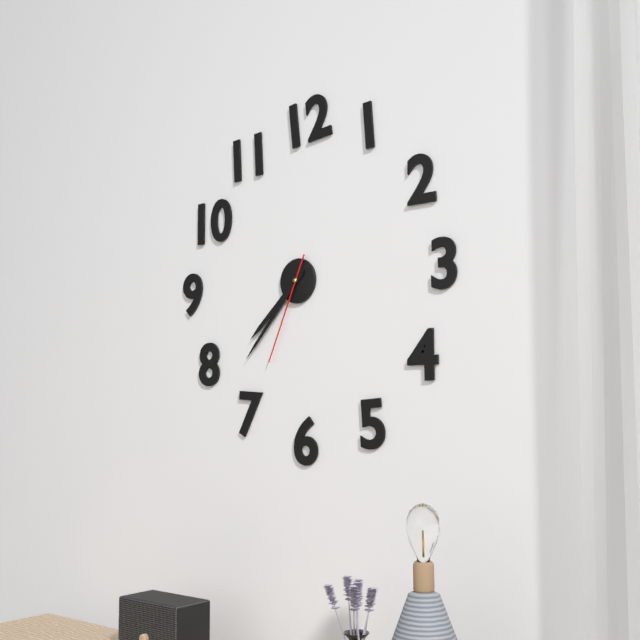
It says 7:37:34
